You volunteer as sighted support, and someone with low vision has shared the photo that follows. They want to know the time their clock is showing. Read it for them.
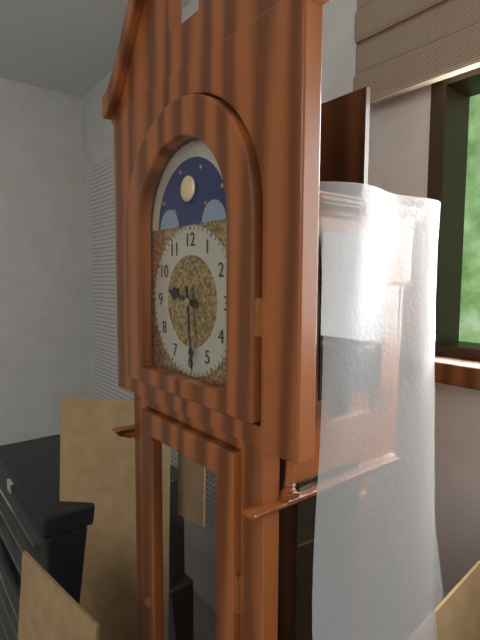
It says 9:29
